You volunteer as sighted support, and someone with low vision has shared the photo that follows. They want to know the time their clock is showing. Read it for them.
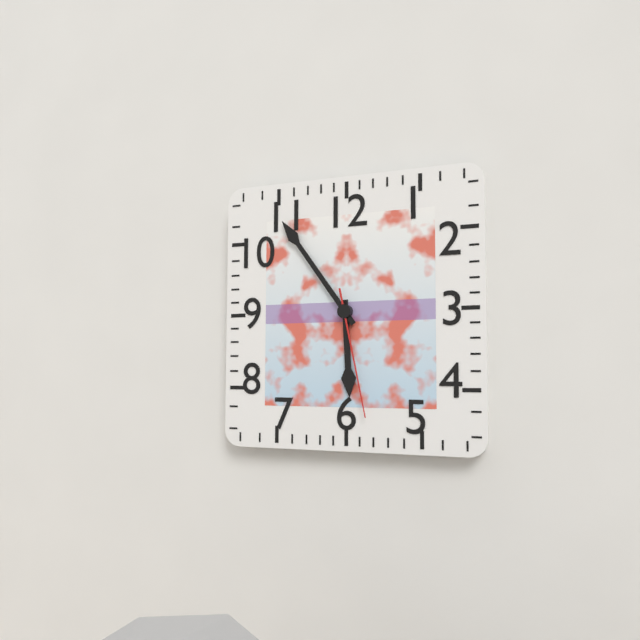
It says 5:54:28
